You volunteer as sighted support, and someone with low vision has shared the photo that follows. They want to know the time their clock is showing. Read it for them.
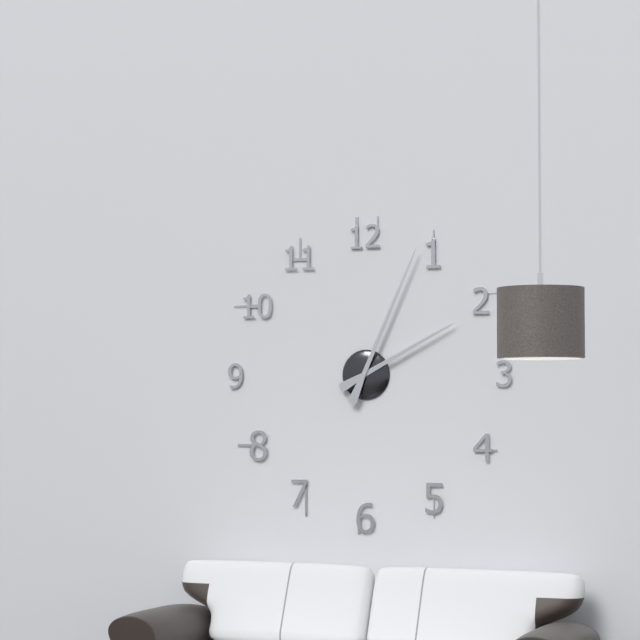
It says 2:04
